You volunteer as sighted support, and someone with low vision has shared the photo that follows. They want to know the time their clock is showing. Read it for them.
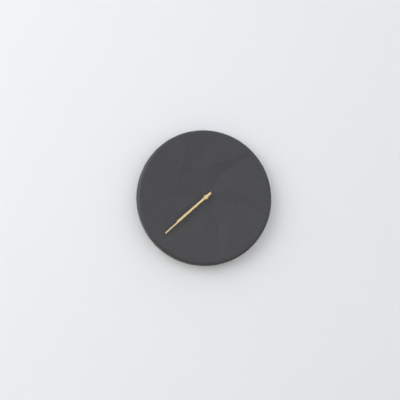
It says 7:38
